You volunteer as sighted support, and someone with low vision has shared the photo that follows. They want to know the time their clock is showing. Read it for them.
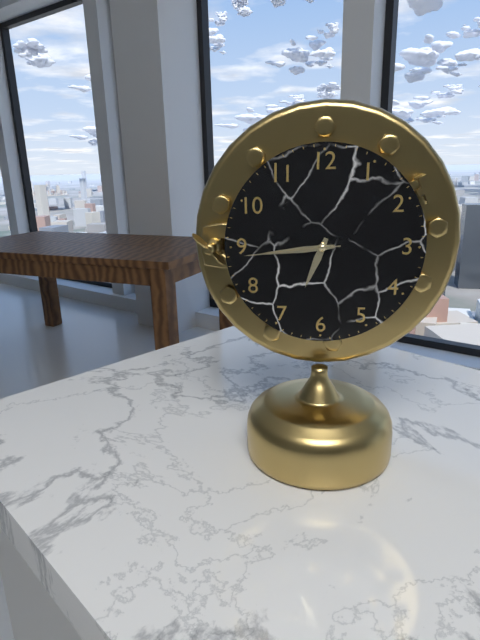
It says 6:44:44
